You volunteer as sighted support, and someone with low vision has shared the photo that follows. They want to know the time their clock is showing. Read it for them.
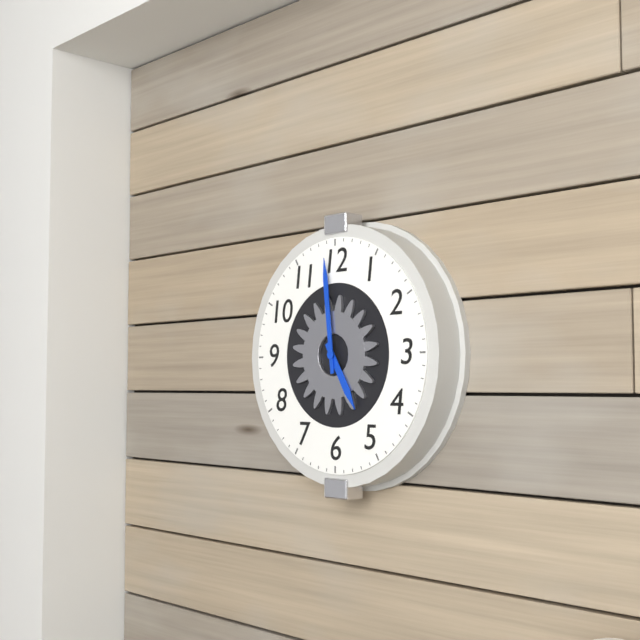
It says 4:59
